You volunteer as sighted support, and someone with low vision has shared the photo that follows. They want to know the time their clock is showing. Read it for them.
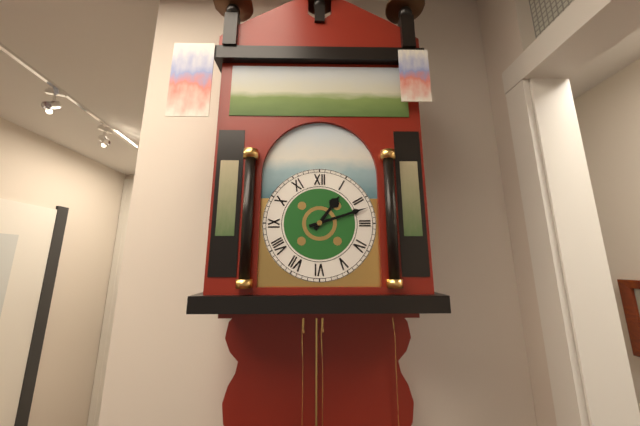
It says 1:12
